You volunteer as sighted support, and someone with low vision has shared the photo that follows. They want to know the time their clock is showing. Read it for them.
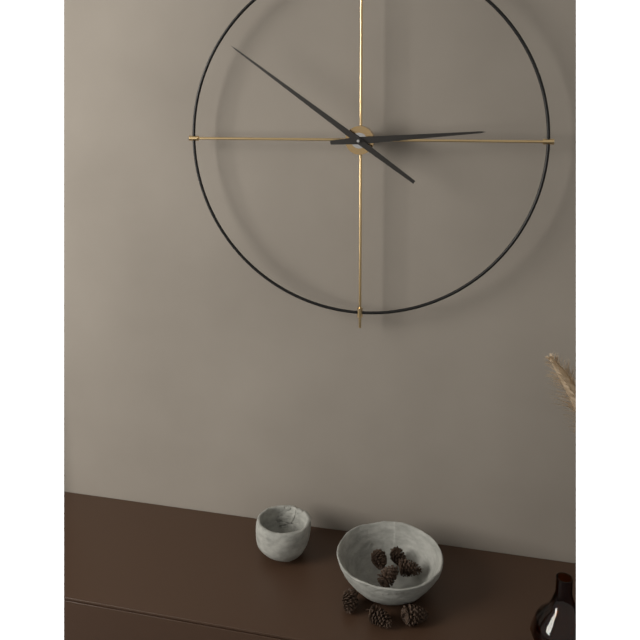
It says 2:51
